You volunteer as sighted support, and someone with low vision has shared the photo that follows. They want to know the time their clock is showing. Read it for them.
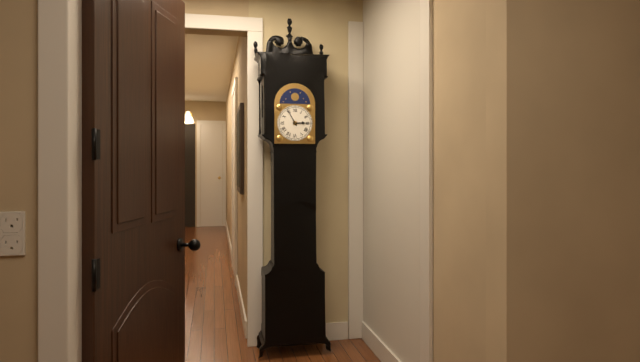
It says 2:55
